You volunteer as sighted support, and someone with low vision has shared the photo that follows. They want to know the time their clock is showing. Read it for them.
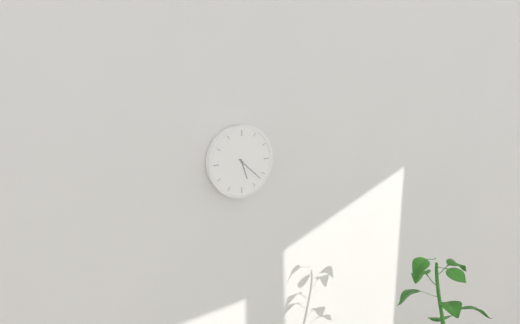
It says 5:22
